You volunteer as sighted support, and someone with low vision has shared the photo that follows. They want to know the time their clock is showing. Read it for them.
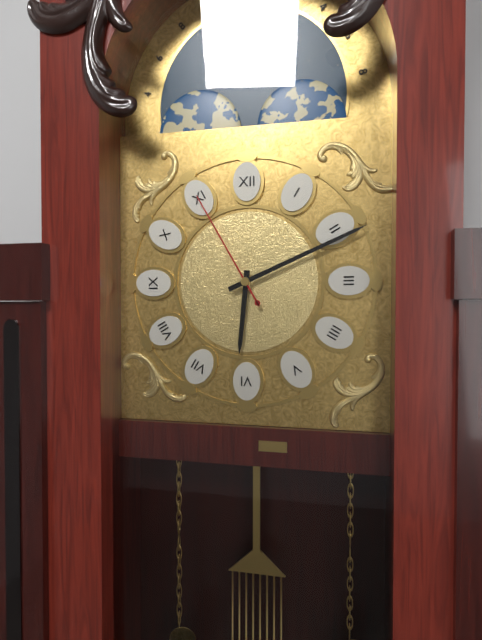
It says 6:11:55
